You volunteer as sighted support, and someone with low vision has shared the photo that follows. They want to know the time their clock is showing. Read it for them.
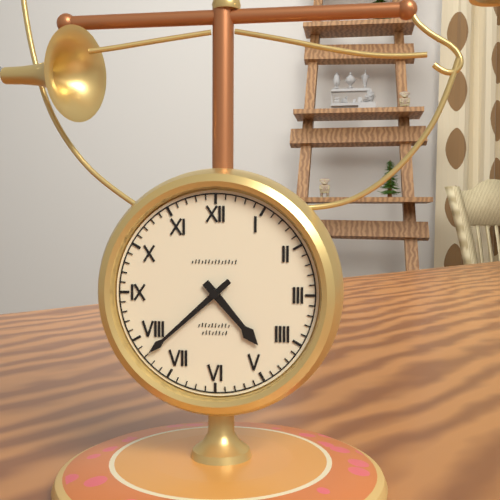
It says 4:38
